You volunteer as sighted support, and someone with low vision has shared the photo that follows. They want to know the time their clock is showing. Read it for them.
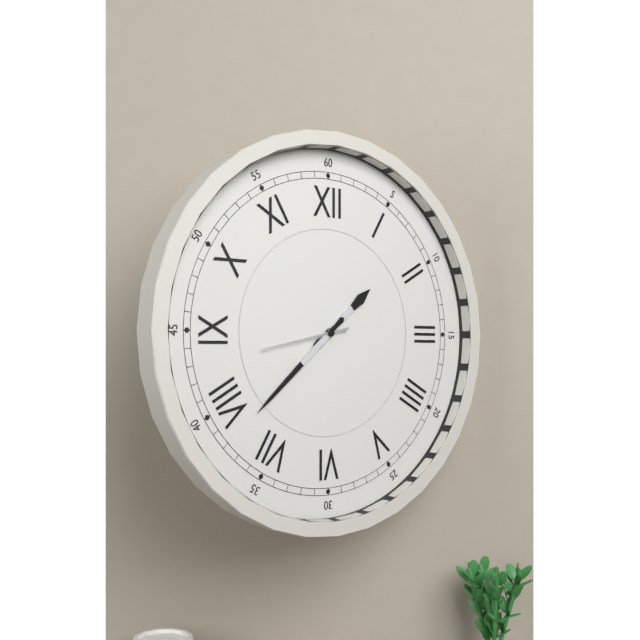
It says 1:38:43
